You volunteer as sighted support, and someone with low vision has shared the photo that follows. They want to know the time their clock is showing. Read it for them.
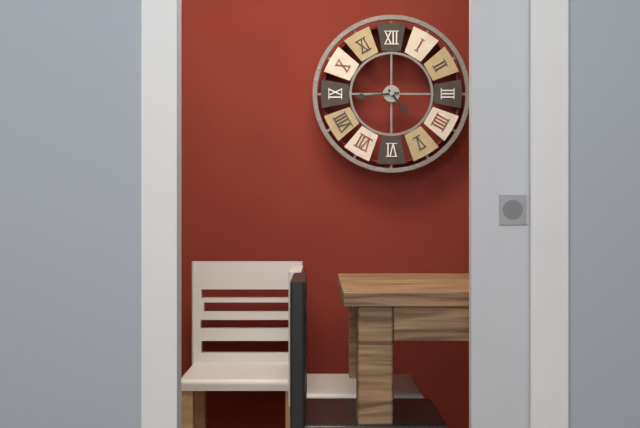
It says 4:44
